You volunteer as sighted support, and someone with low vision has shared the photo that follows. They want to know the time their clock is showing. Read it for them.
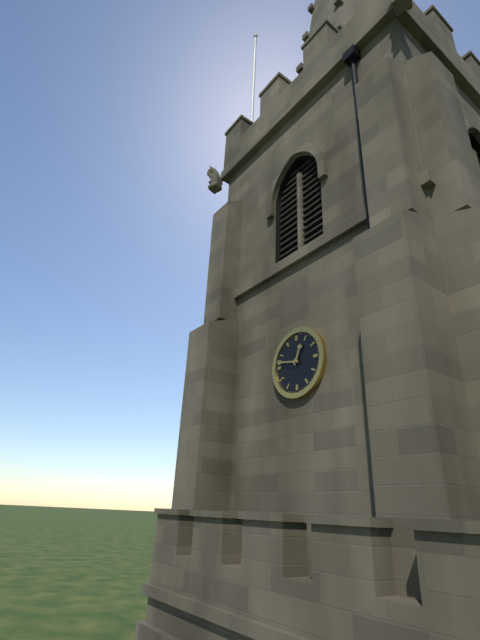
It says 12:47
